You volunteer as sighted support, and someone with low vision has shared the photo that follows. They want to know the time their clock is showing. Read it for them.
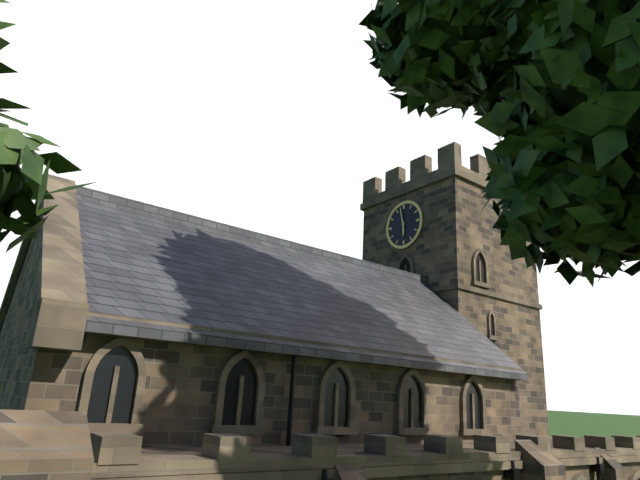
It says 5:58
